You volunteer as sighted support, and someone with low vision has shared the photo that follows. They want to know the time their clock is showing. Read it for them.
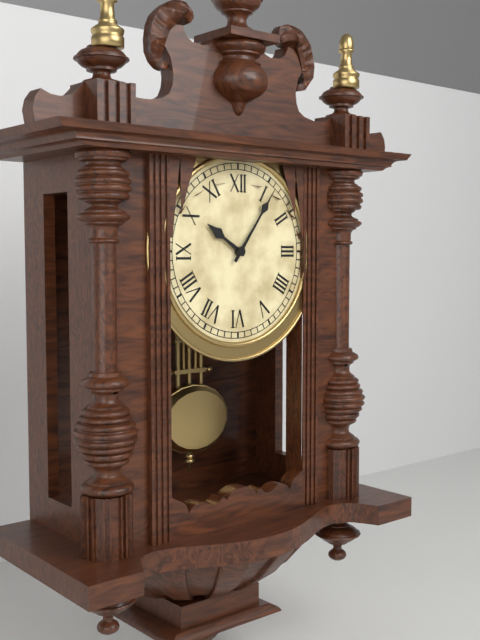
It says 10:06
